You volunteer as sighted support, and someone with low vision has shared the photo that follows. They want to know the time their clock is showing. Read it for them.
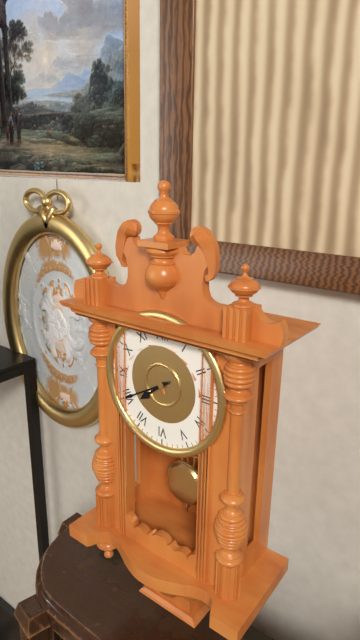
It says 7:40
